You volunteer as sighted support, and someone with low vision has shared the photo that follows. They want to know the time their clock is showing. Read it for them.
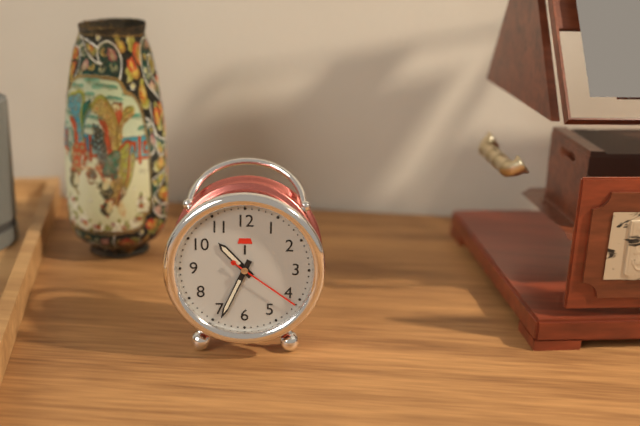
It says 10:34:21
